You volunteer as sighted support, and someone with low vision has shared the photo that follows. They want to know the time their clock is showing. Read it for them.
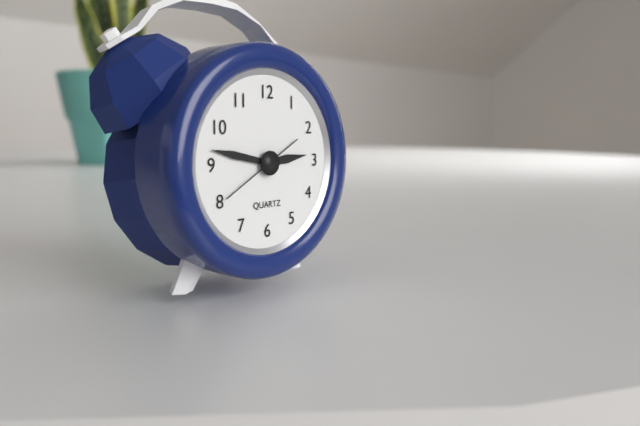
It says 2:47:40
